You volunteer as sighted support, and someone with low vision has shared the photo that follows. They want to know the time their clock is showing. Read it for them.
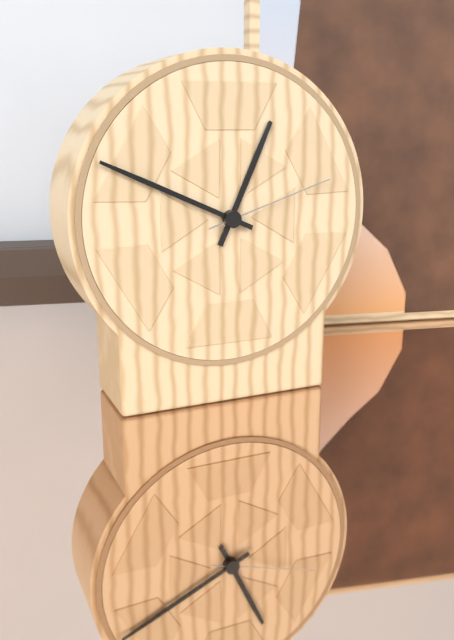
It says 12:49:12
